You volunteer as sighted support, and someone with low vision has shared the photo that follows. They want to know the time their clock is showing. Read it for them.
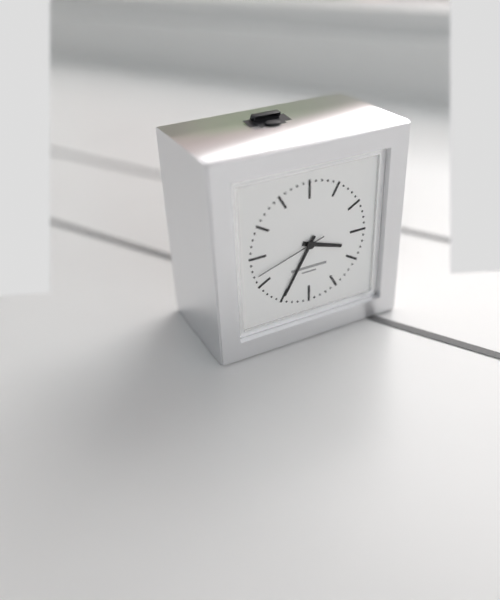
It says 3:35:42
